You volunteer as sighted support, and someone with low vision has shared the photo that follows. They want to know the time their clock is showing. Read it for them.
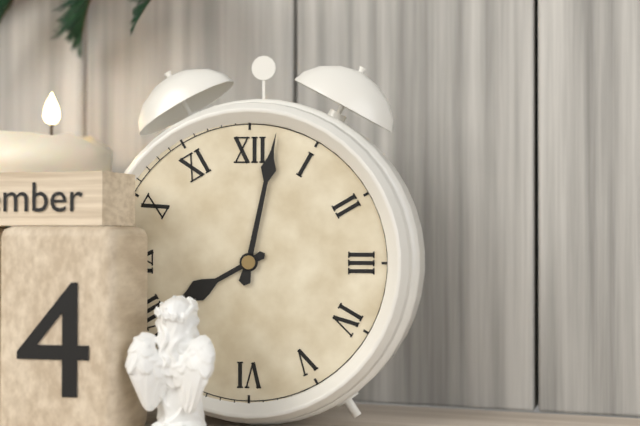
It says 8:02
